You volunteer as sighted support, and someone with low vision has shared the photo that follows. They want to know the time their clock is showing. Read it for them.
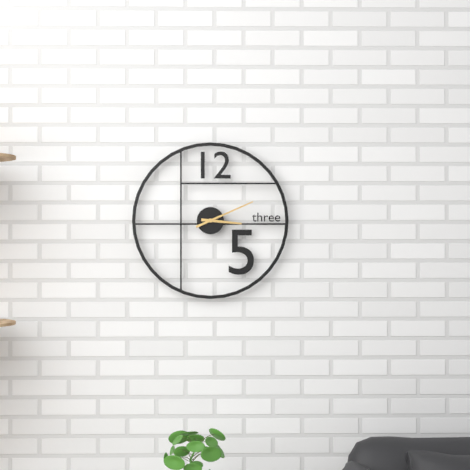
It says 3:11
